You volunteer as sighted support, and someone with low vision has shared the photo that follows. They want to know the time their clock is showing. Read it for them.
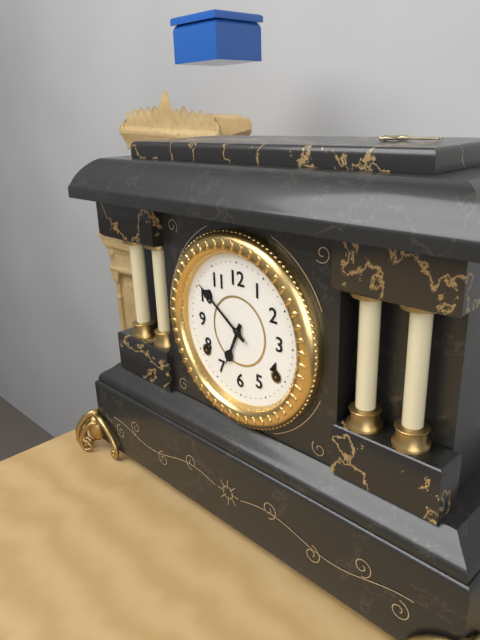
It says 6:51
